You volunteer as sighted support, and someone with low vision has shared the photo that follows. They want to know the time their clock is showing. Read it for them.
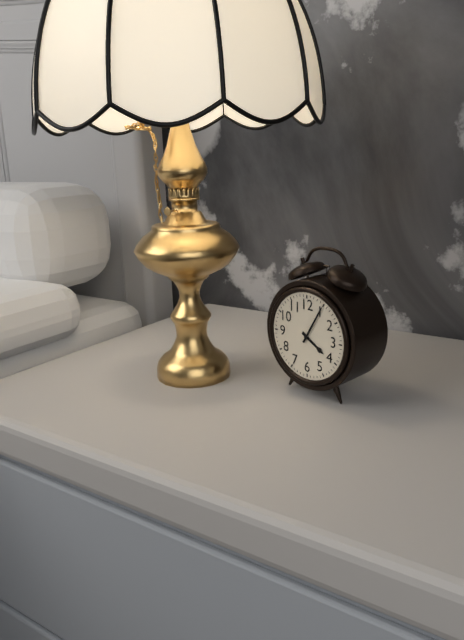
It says 4:05
